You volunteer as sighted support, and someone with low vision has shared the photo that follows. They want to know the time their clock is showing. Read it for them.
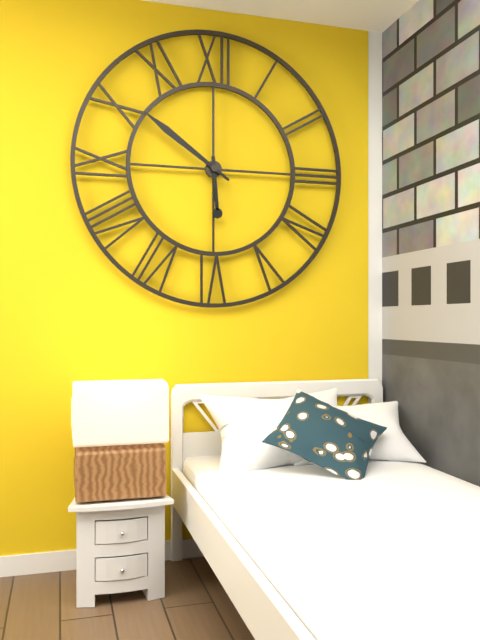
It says 5:51
